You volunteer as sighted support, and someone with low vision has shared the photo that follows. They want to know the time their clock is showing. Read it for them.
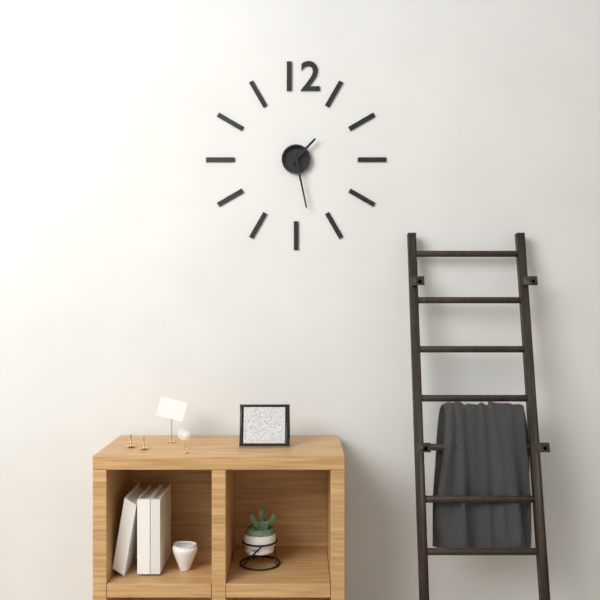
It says 1:28
